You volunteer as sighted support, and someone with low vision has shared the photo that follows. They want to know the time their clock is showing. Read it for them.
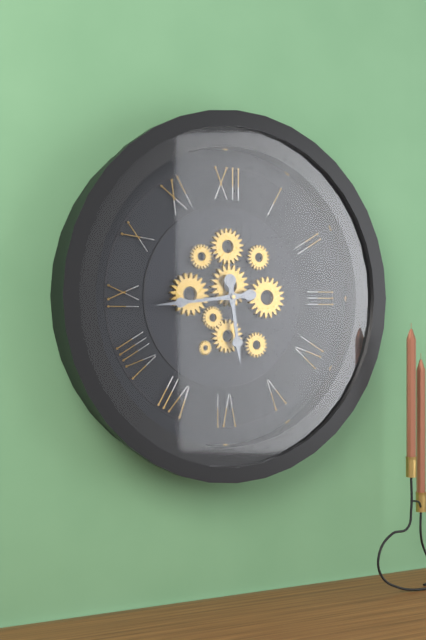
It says 5:44
